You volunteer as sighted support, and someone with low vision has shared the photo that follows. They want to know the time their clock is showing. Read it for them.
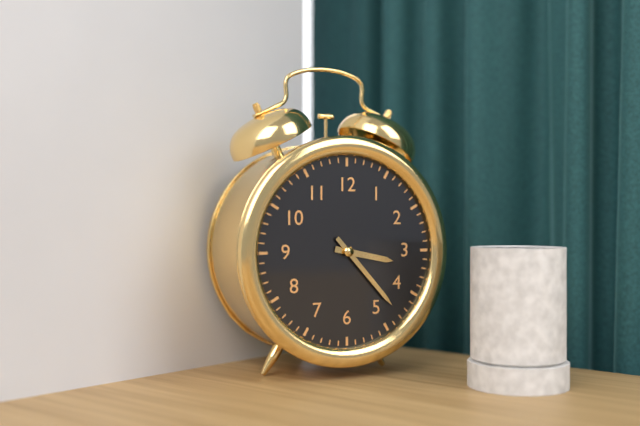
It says 3:23
